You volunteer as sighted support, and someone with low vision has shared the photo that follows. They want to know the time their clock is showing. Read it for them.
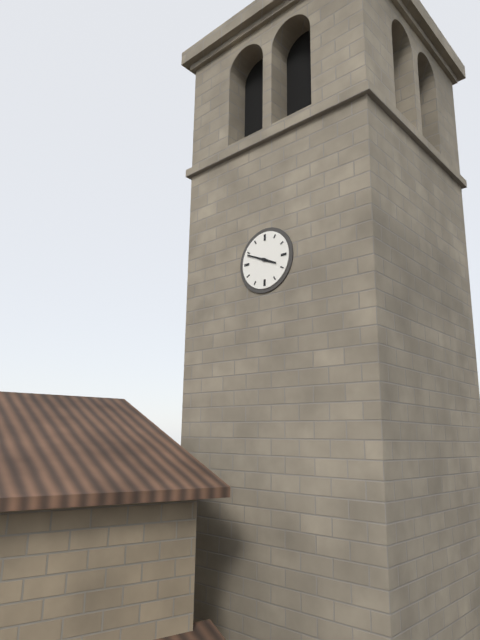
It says 3:49
